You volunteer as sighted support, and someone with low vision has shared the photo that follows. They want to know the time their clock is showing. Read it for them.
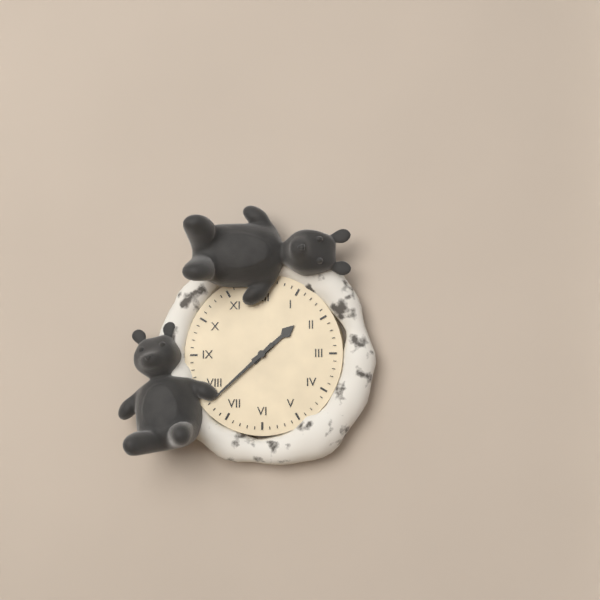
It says 1:38
